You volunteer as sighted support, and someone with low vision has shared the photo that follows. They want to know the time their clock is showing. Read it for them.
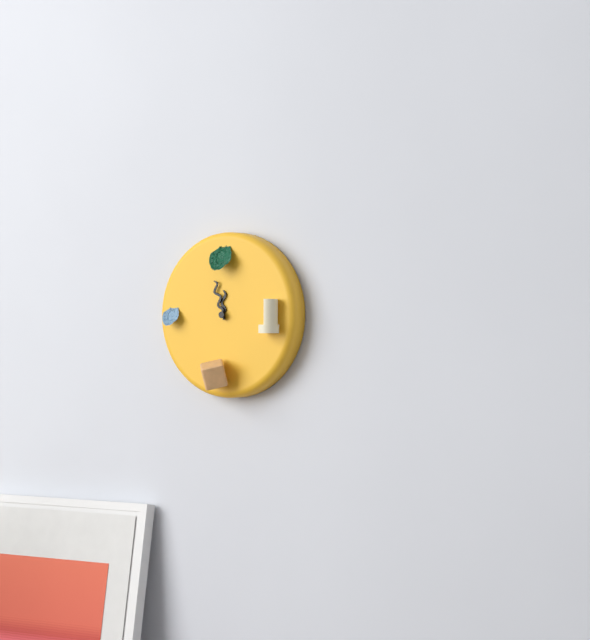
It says 11:57
